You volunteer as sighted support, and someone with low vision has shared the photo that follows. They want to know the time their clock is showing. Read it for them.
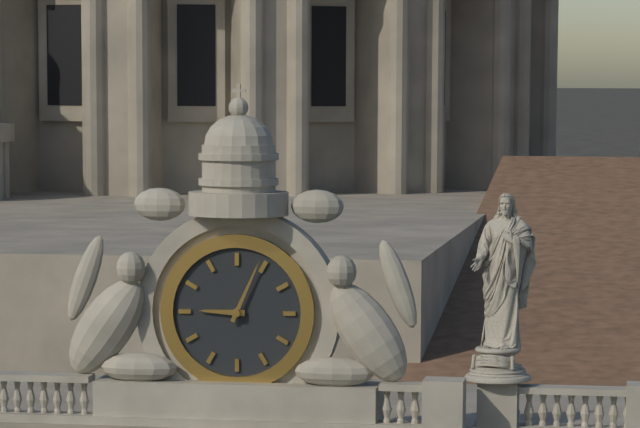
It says 9:04
